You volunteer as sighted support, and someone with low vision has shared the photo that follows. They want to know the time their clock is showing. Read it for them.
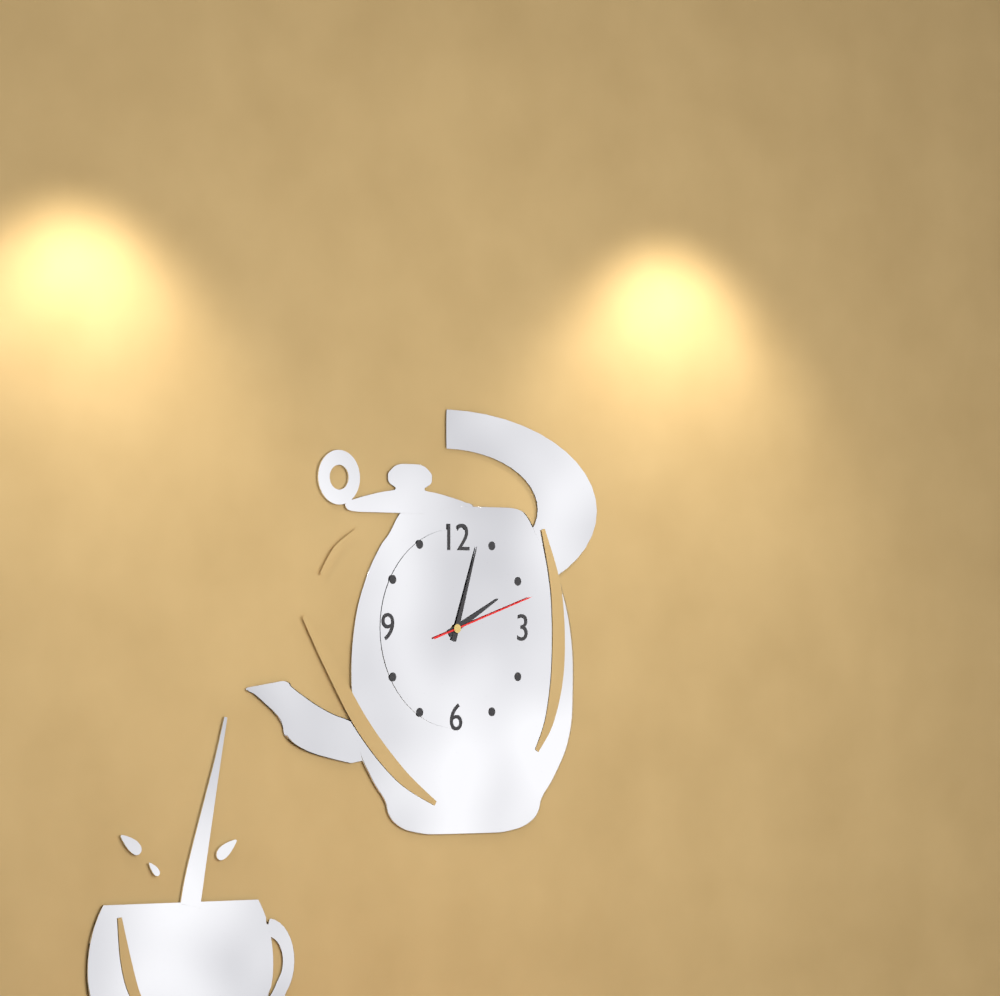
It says 2:03:12
